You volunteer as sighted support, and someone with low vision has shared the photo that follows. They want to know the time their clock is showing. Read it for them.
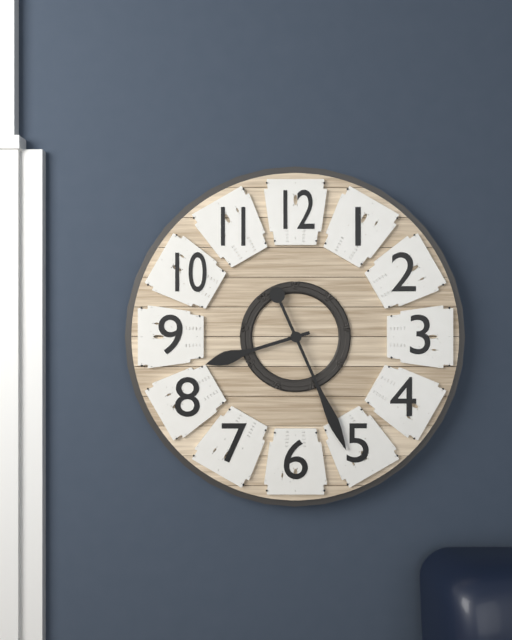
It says 8:26
